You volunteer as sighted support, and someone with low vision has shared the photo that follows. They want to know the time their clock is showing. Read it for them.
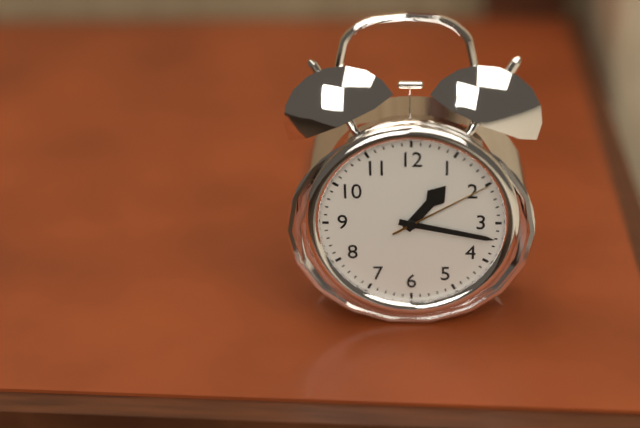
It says 1:17:10
